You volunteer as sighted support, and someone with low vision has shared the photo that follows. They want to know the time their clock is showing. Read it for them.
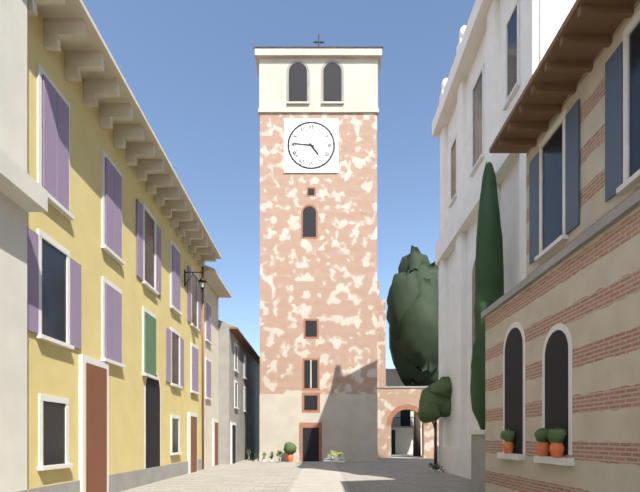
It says 4:46
